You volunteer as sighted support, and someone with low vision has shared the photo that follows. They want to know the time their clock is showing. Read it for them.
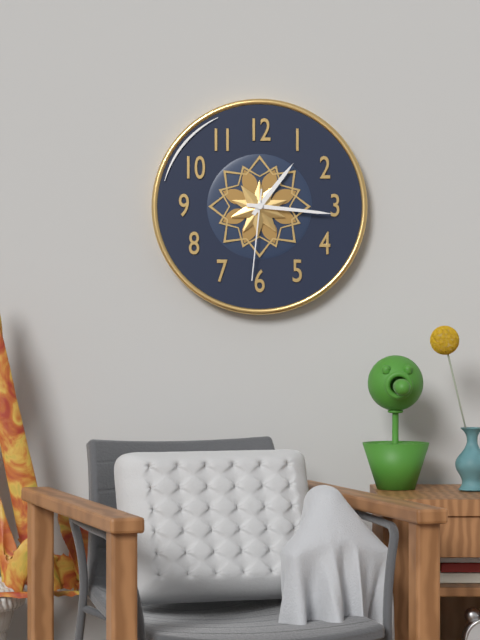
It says 1:16:31
